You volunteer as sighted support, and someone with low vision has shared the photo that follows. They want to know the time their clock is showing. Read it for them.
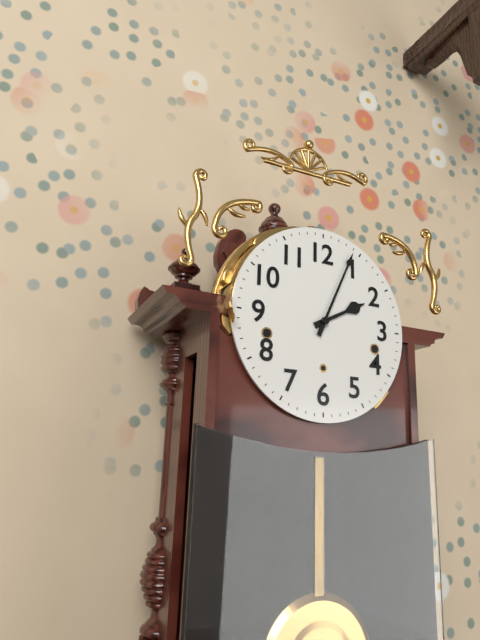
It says 2:04
